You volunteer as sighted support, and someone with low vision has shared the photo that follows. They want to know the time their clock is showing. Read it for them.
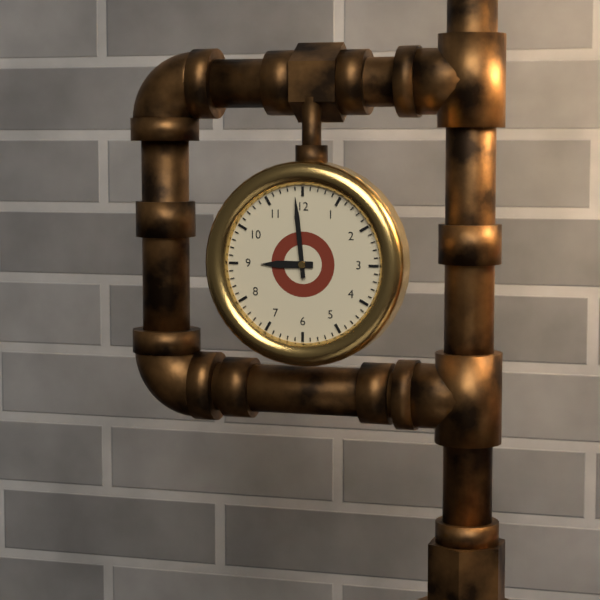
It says 8:59
